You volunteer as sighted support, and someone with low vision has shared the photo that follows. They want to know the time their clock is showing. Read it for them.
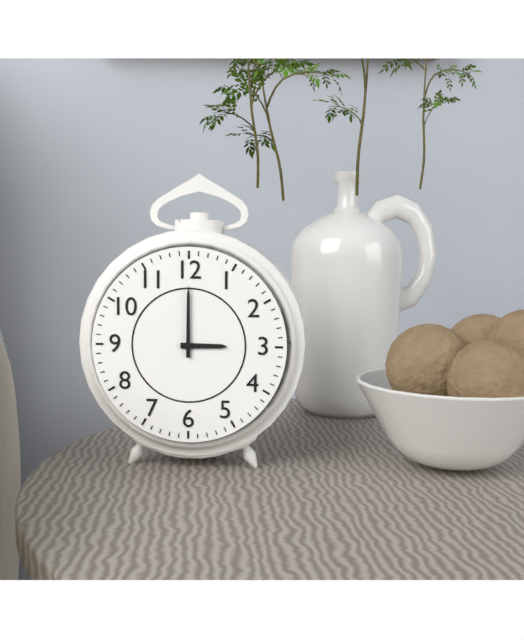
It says 3:00
